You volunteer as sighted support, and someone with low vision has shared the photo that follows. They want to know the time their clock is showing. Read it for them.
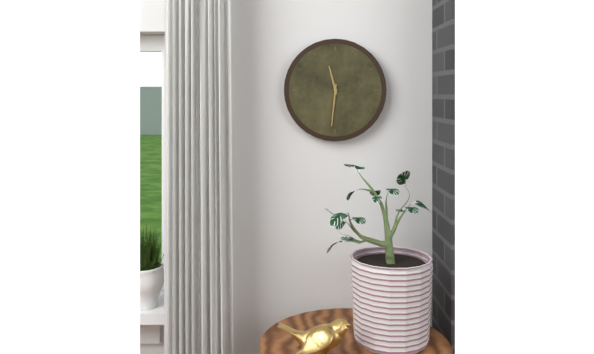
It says 11:31
